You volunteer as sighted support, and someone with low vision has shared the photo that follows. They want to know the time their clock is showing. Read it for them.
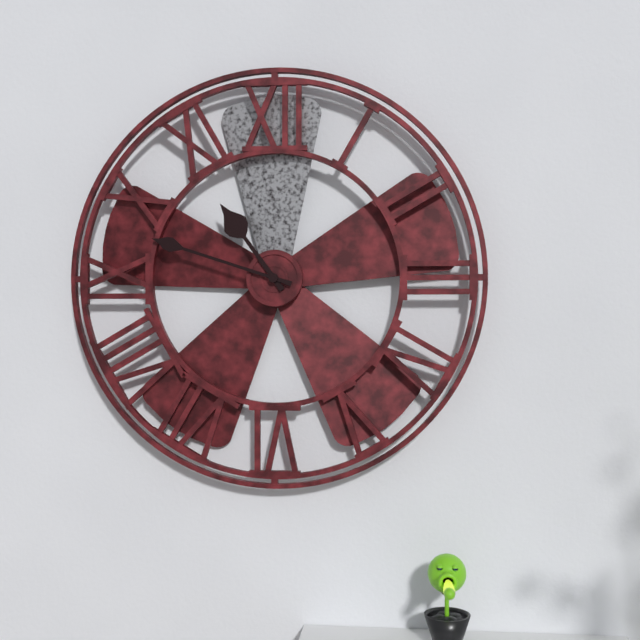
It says 10:48
